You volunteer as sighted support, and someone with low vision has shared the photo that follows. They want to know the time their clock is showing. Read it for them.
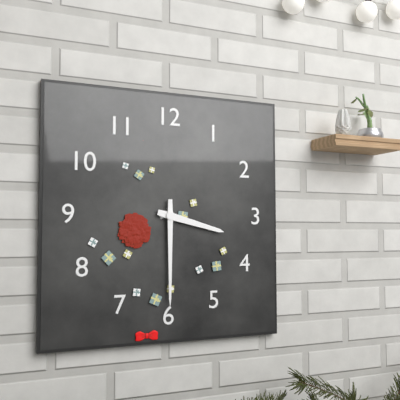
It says 3:30
